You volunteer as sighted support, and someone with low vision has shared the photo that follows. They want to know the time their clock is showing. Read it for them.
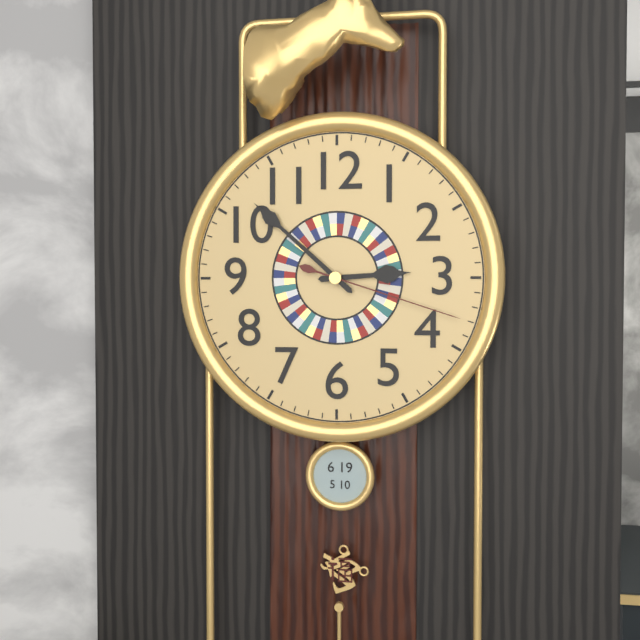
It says 2:52:18
